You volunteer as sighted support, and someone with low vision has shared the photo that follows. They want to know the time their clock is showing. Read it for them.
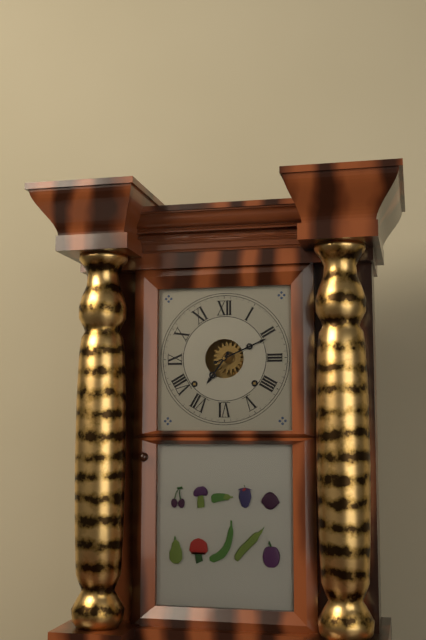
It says 7:11
